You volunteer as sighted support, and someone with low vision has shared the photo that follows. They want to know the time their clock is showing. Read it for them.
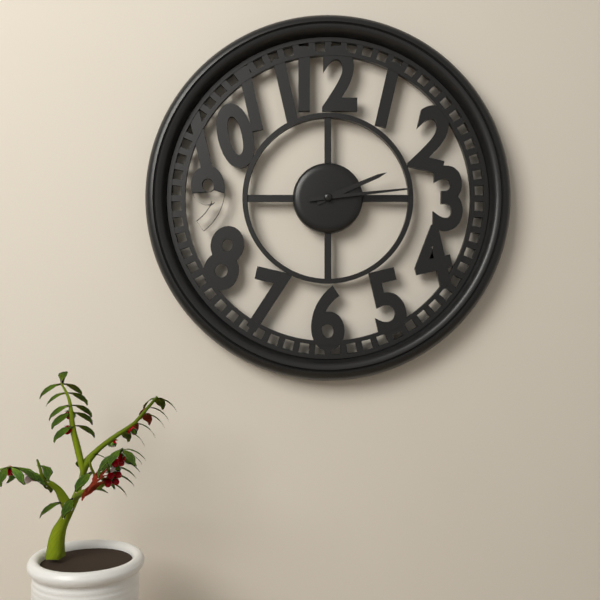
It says 2:14
